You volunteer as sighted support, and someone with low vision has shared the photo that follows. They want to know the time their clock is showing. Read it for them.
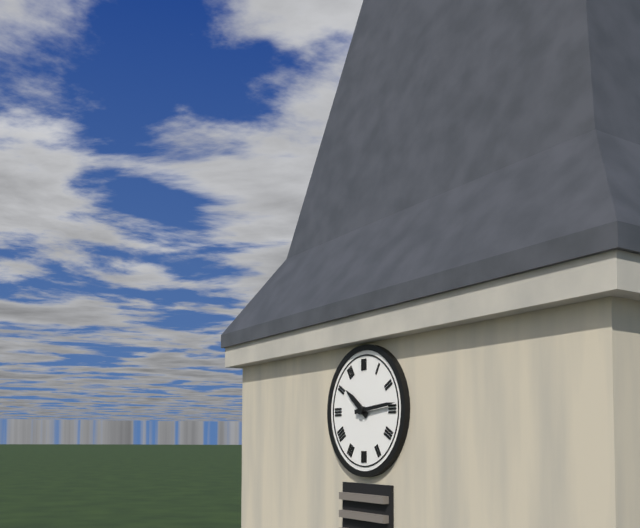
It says 10:14
